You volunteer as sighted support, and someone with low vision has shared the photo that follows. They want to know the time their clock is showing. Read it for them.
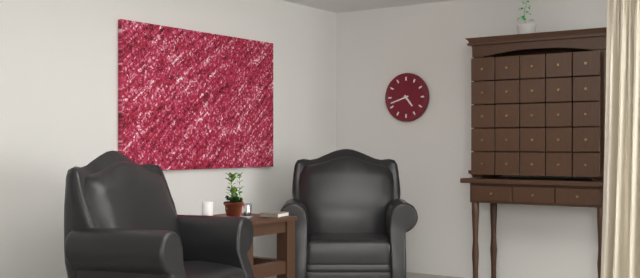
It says 4:42
